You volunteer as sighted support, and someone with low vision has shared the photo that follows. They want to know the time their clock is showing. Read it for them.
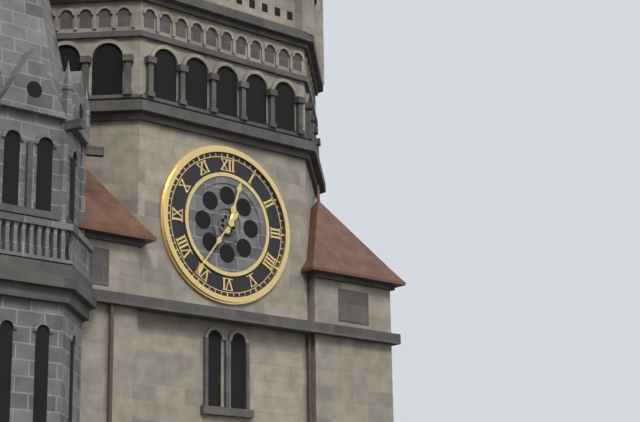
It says 12:36
